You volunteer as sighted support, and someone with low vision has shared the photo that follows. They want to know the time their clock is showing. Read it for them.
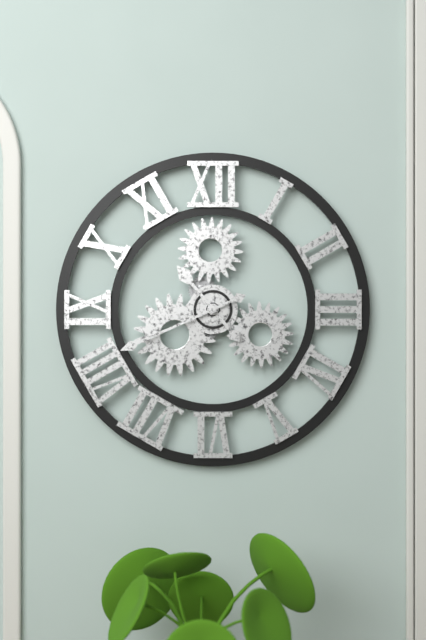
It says 10:41
